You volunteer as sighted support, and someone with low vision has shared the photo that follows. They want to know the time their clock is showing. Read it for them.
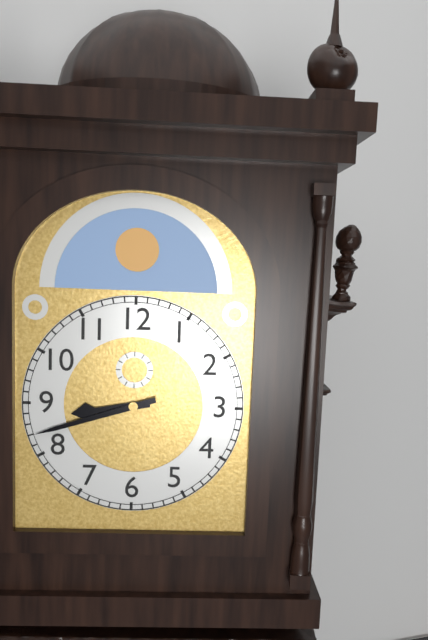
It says 8:42
